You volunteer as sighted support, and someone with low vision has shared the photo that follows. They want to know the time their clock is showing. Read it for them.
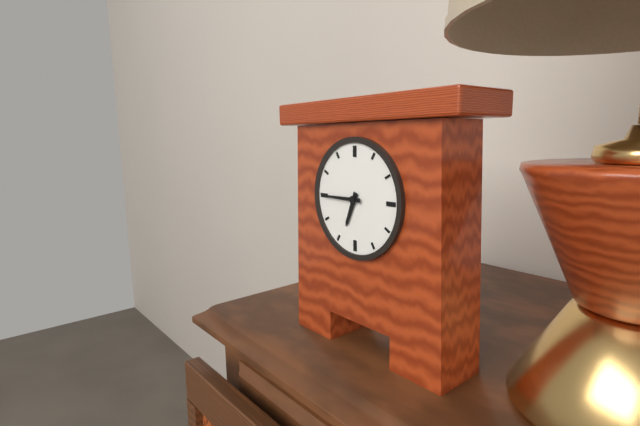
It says 6:45
